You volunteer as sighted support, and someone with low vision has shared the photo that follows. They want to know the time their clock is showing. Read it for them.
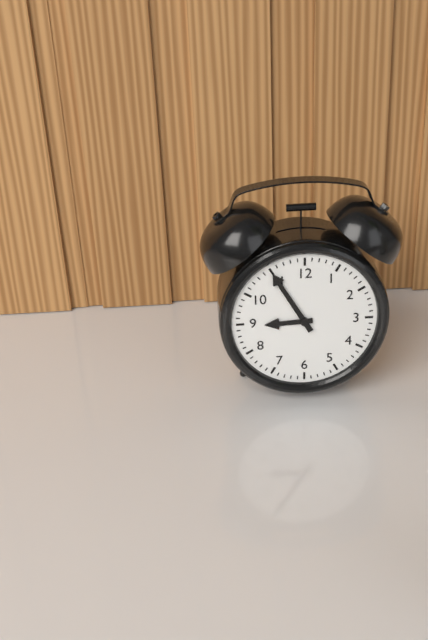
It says 8:55
